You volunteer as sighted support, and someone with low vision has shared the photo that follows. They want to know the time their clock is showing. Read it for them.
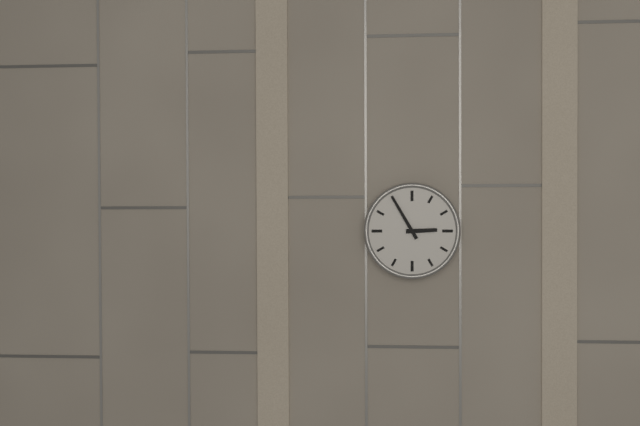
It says 2:55
